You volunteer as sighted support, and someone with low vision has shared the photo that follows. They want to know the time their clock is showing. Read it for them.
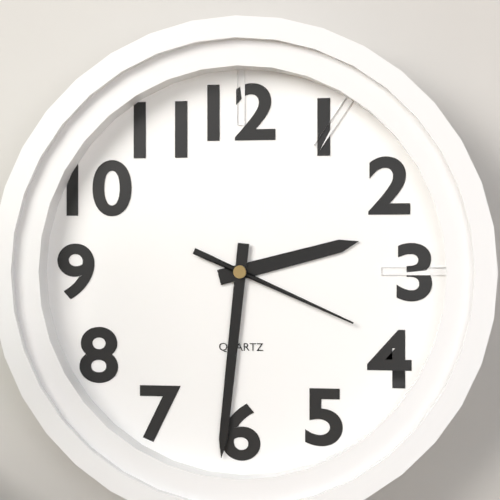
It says 2:31:19
